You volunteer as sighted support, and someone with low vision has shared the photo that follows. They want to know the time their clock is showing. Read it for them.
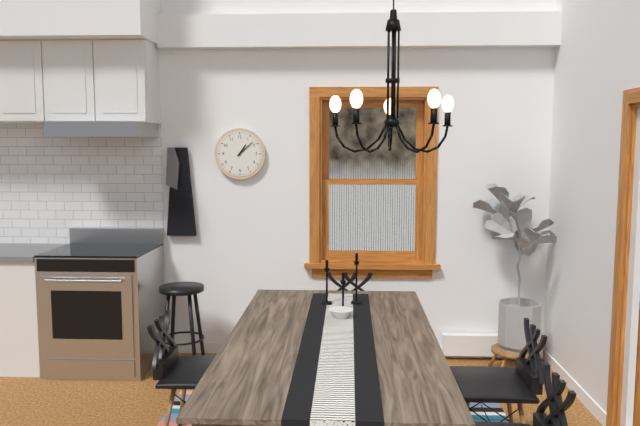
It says 1:08
